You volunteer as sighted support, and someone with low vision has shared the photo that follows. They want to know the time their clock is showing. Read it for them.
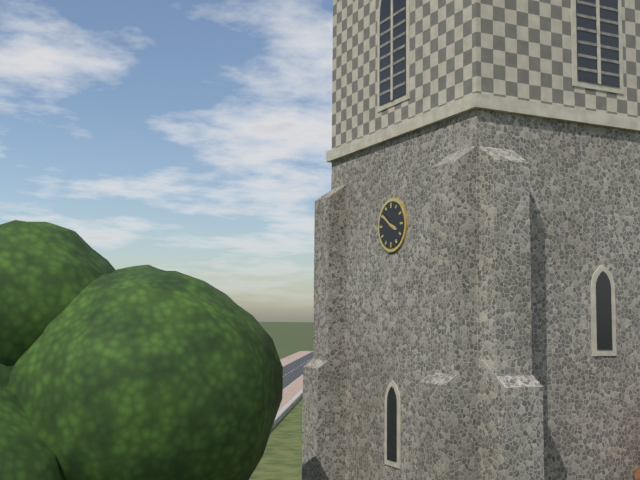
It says 3:51
